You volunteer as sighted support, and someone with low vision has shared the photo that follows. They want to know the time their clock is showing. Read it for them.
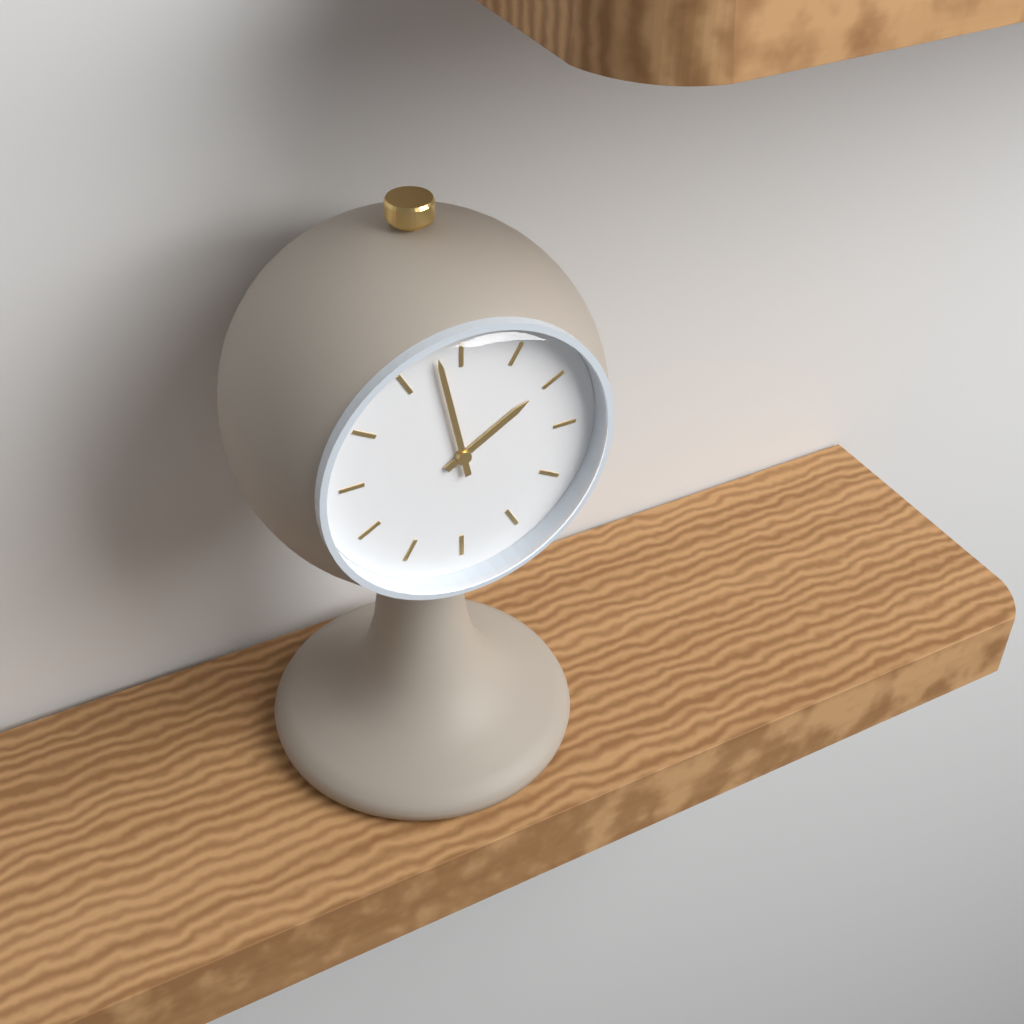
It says 1:58
